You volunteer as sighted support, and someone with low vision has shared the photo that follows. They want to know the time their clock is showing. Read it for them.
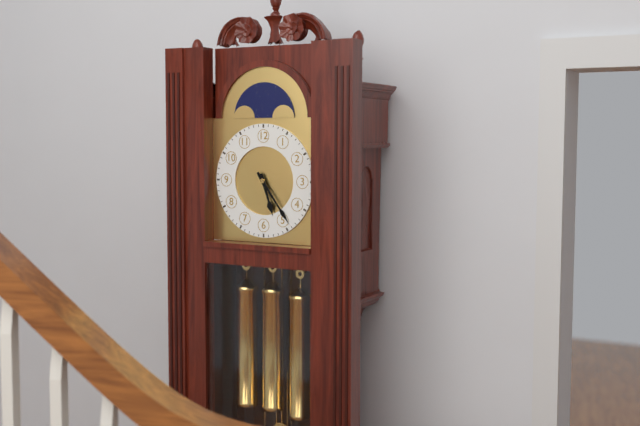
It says 5:24
